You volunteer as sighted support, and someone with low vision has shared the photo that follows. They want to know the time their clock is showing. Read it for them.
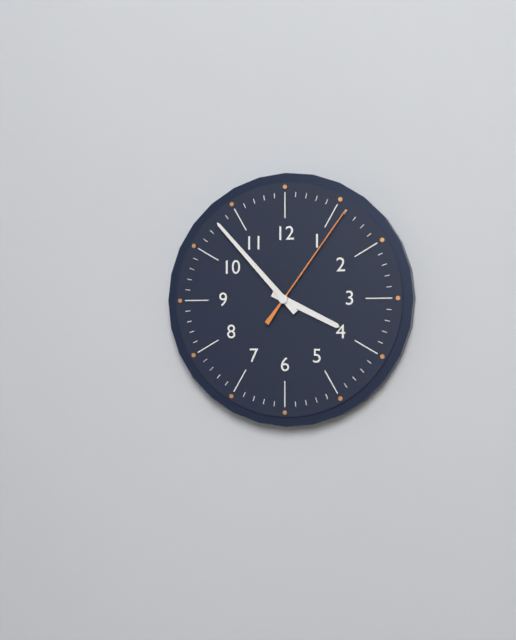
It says 3:53:06
